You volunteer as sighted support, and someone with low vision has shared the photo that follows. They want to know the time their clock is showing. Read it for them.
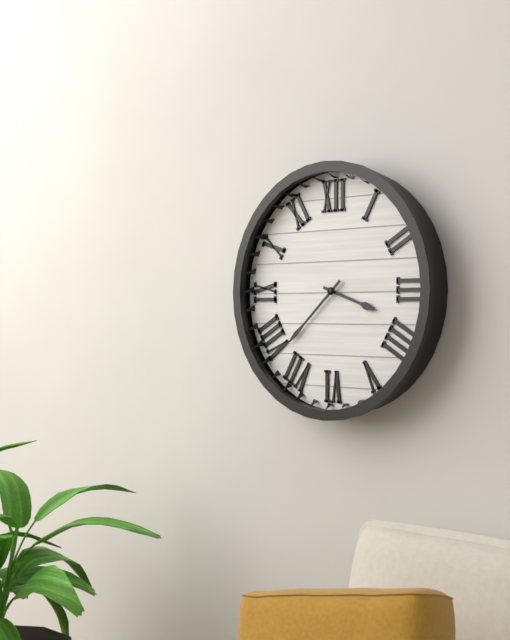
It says 3:38
